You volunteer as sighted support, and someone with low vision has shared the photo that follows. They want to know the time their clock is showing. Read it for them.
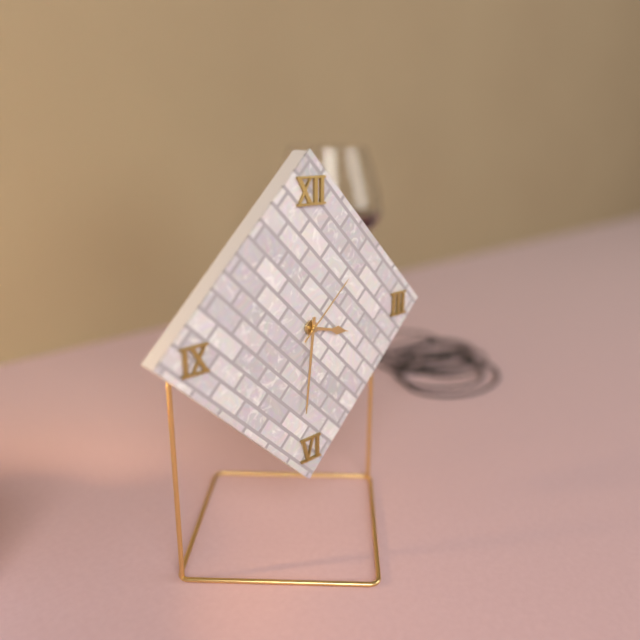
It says 3:31:08
